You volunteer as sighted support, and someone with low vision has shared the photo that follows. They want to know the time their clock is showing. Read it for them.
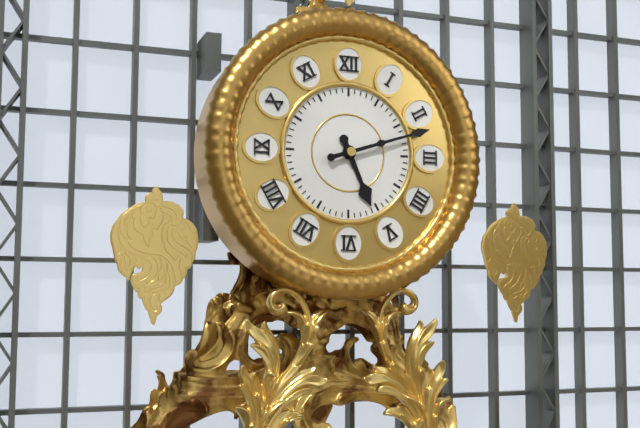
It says 5:12
